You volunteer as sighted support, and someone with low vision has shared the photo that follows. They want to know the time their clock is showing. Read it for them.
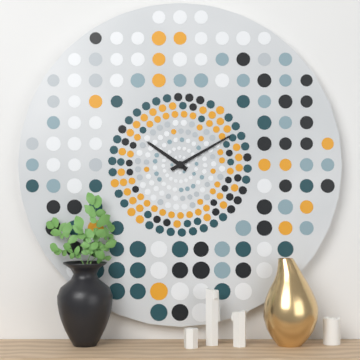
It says 10:10
